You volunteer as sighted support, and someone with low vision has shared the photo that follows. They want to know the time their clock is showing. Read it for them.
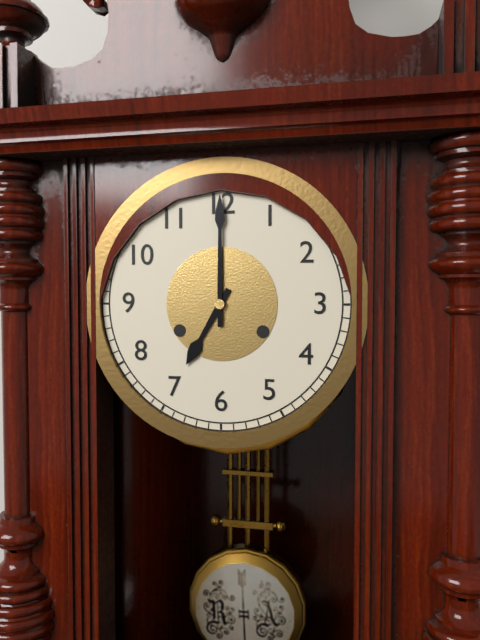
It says 7:00
